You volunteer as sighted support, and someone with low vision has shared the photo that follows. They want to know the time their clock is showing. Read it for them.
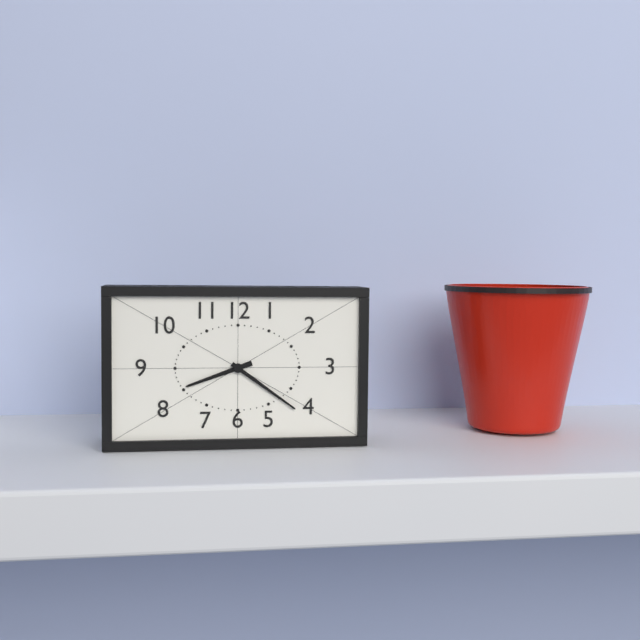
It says 8:21
